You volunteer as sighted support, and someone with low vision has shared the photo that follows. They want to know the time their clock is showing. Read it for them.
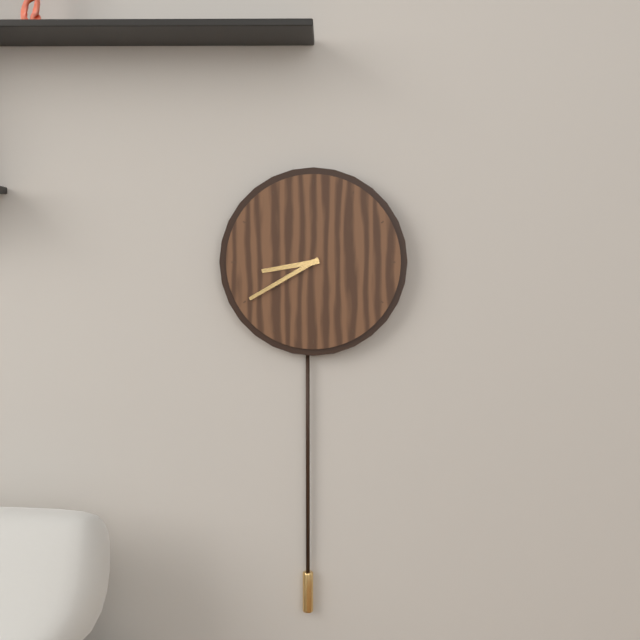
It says 8:40
